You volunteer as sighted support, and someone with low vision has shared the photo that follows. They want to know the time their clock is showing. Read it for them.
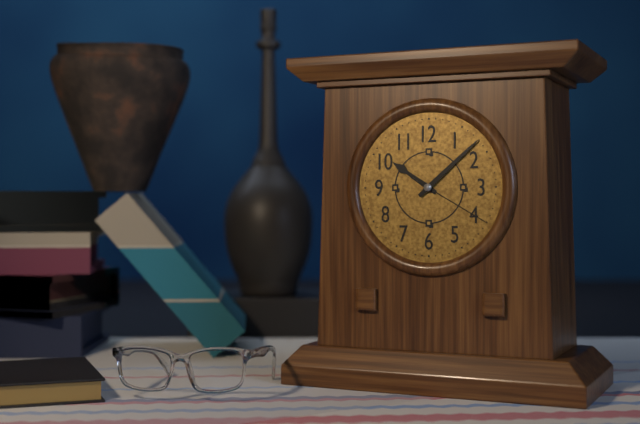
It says 10:08:20
